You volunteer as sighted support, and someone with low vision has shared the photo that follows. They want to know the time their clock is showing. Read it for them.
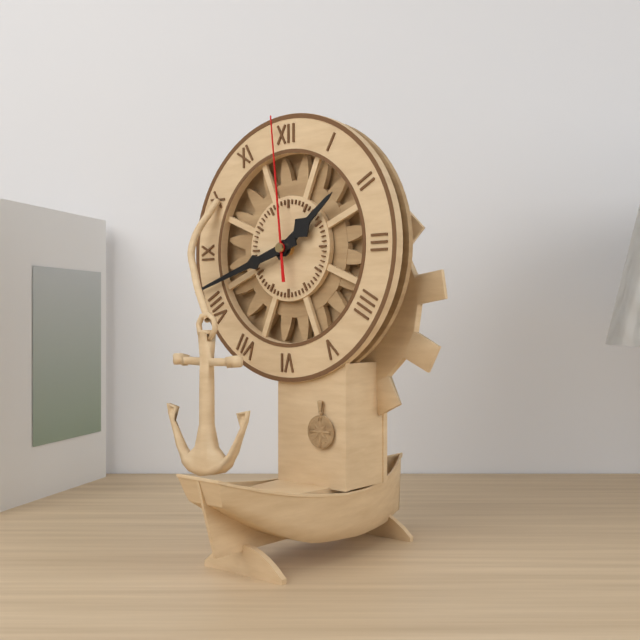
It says 1:42:59
